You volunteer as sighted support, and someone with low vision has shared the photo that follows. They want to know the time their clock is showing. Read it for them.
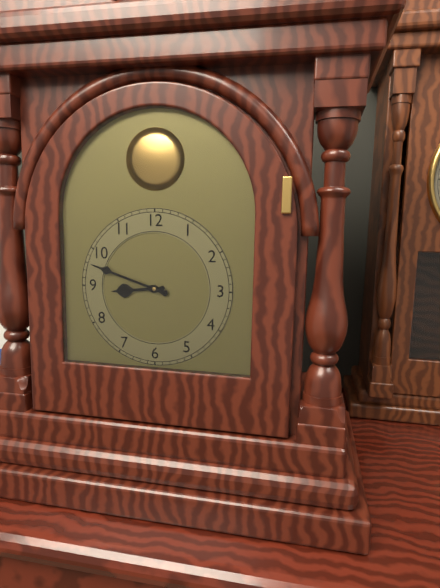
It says 8:48
